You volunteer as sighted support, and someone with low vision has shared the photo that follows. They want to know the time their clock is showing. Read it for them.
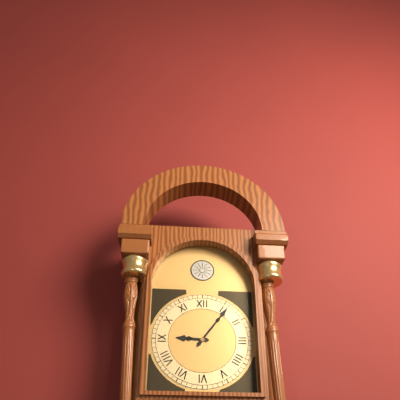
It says 9:06
